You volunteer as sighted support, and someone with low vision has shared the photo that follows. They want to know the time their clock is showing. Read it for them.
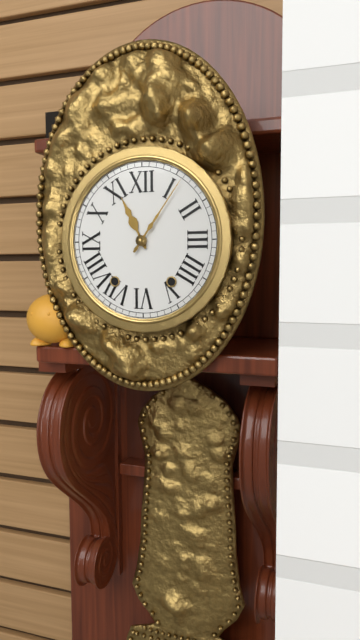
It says 11:06
